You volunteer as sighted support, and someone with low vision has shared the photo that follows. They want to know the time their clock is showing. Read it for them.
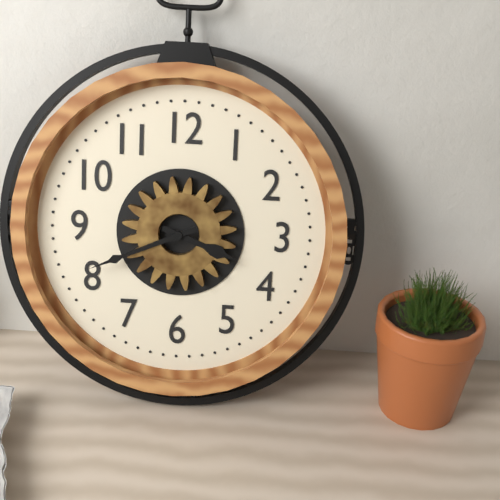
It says 3:41
